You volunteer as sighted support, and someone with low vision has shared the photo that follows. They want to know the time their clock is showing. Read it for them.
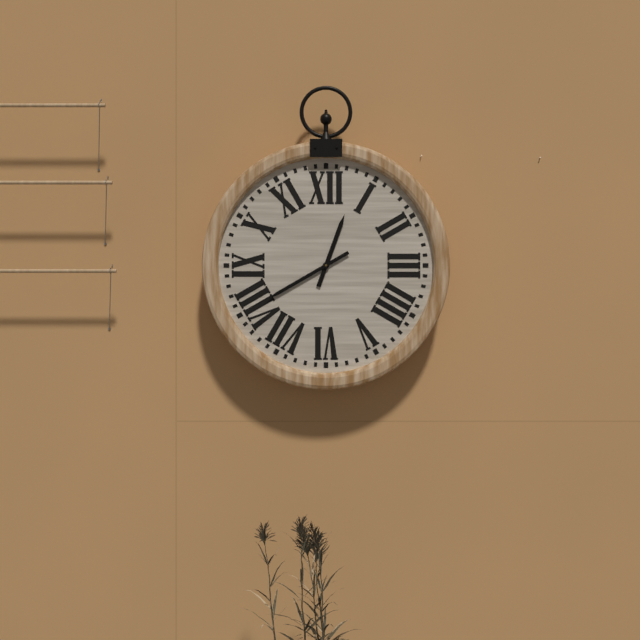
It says 12:40
